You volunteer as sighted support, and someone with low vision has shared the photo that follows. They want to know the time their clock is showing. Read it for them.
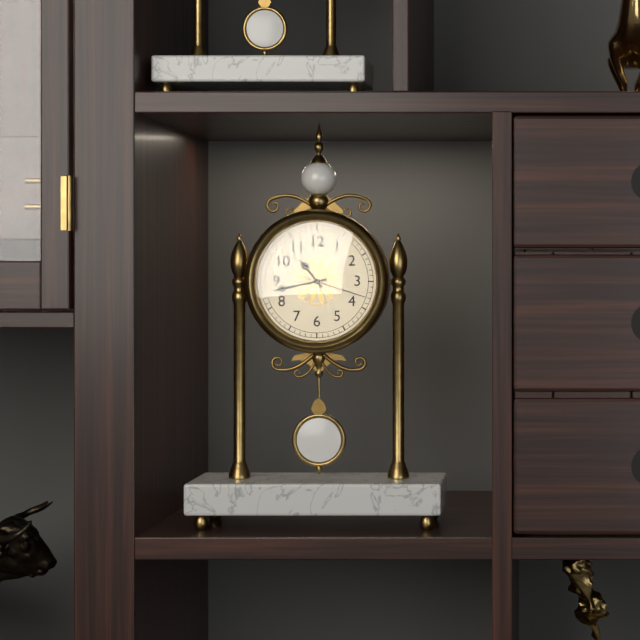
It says 10:43:18
